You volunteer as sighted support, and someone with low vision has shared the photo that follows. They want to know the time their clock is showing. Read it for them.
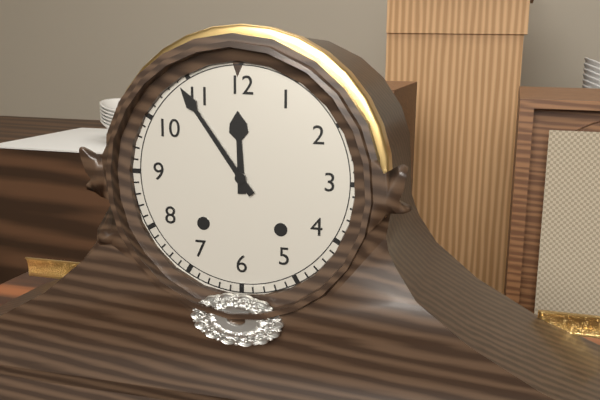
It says 11:54
